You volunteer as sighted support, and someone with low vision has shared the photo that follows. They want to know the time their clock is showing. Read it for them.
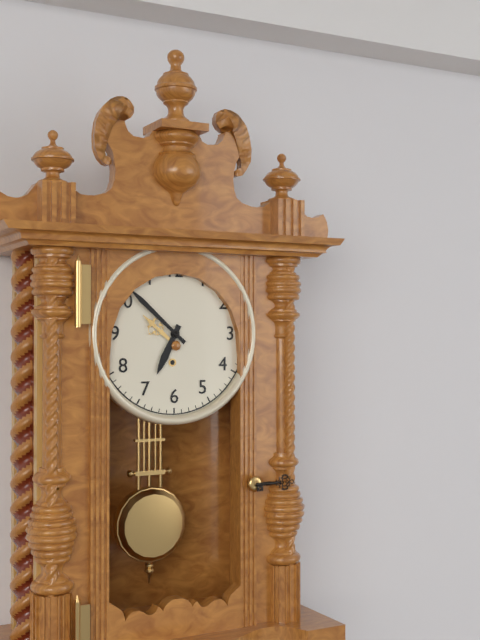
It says 6:52
